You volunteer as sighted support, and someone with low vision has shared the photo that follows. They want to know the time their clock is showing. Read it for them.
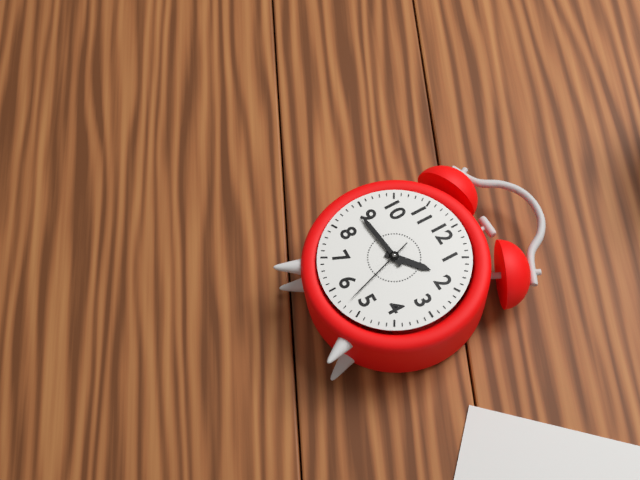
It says 1:44:27
